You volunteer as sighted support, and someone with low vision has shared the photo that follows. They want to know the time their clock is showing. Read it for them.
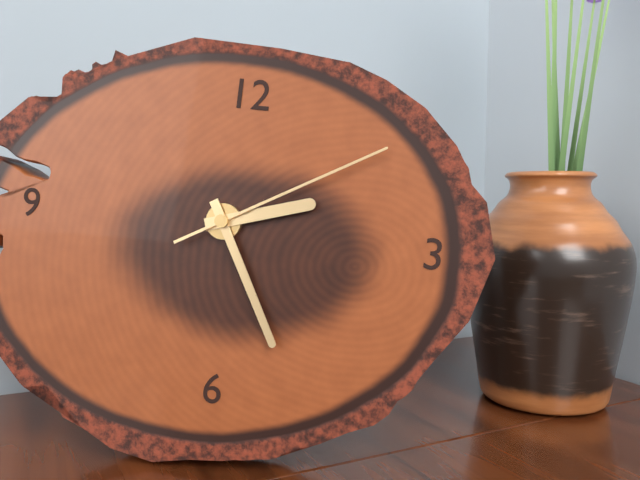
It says 2:25:10
